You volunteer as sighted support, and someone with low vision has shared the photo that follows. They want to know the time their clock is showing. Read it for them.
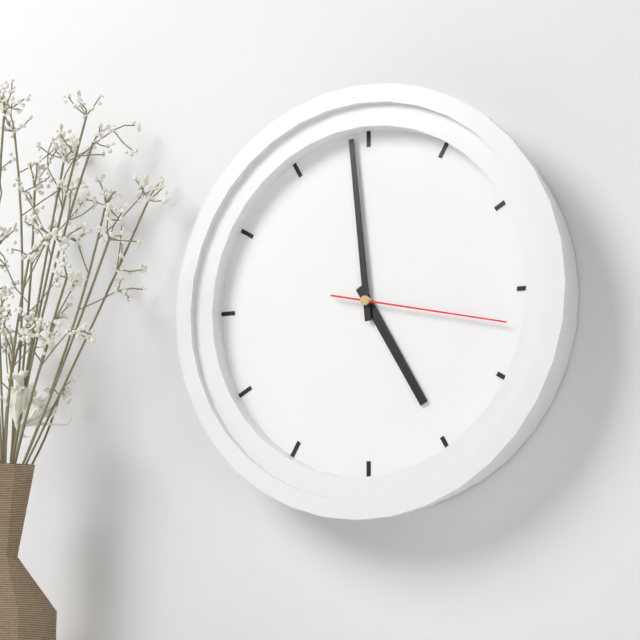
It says 4:59:17
